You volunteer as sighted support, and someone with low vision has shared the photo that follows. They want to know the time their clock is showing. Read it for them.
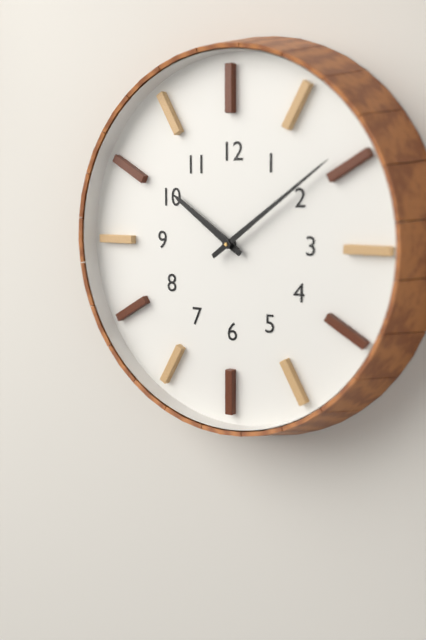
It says 10:09
